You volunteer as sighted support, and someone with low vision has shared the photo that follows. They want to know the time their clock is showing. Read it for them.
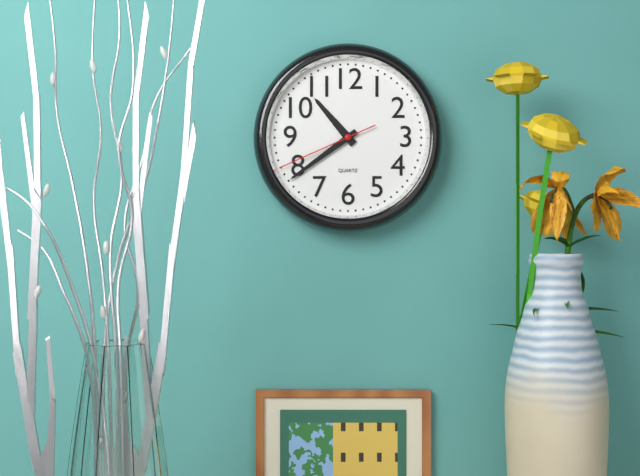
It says 10:39:41
